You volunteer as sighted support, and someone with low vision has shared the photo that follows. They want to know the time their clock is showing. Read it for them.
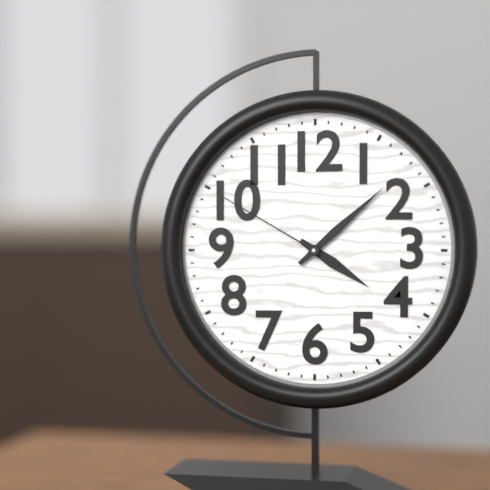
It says 4:08:50
